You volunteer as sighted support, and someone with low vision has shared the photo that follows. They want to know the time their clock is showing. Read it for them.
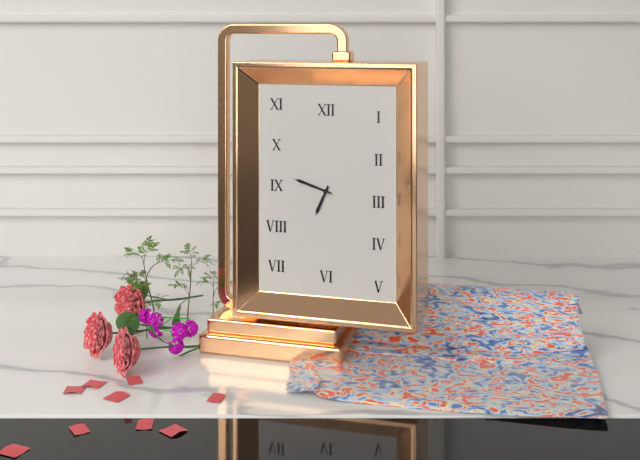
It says 6:48
